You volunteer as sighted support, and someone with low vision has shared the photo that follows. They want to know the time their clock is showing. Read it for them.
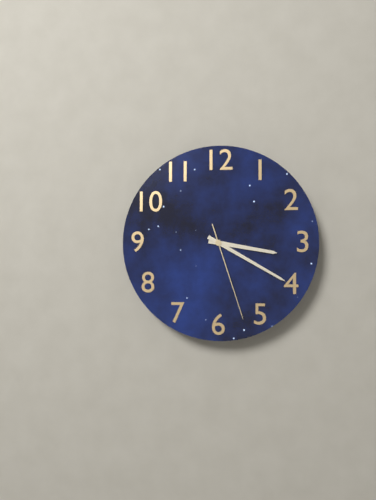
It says 3:20:27
